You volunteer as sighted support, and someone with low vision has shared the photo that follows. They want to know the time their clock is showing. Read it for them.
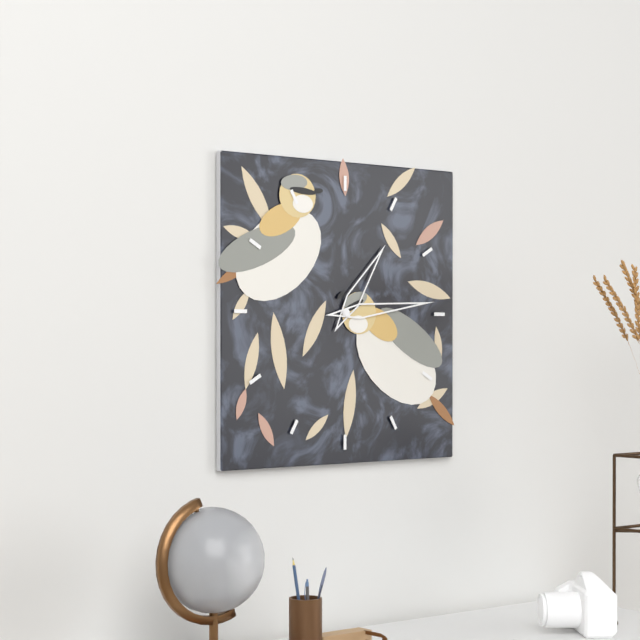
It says 1:14
